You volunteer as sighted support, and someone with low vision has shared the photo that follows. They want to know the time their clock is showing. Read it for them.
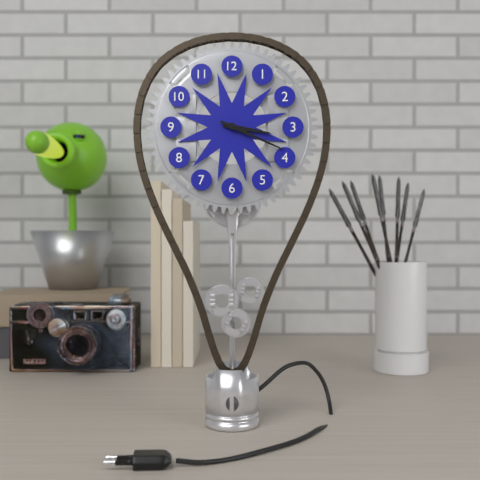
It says 3:19
